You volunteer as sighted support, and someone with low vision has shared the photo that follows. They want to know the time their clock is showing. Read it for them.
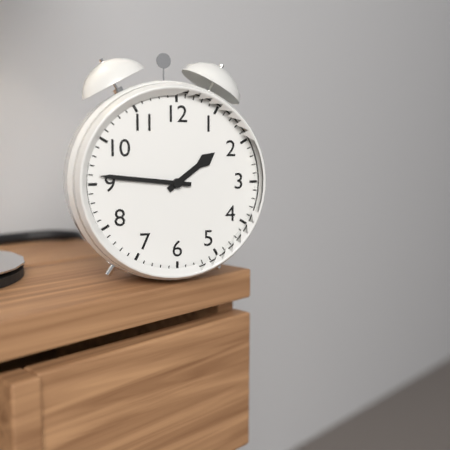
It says 1:46
